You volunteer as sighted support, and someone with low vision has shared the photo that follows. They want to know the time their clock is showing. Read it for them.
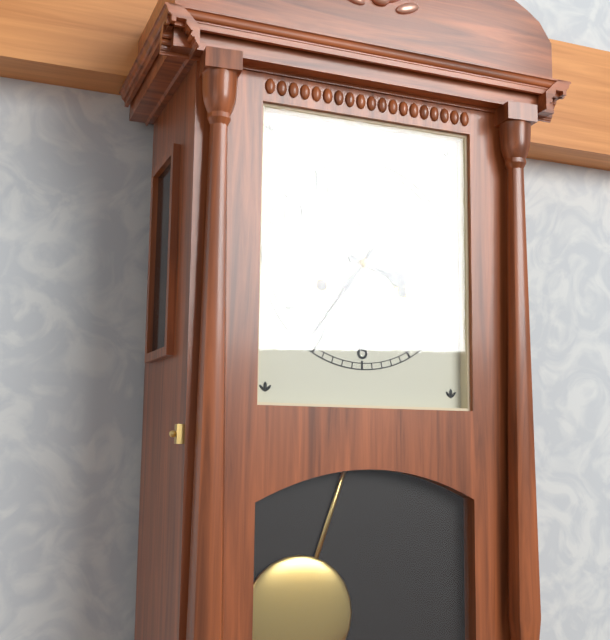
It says 3:36
